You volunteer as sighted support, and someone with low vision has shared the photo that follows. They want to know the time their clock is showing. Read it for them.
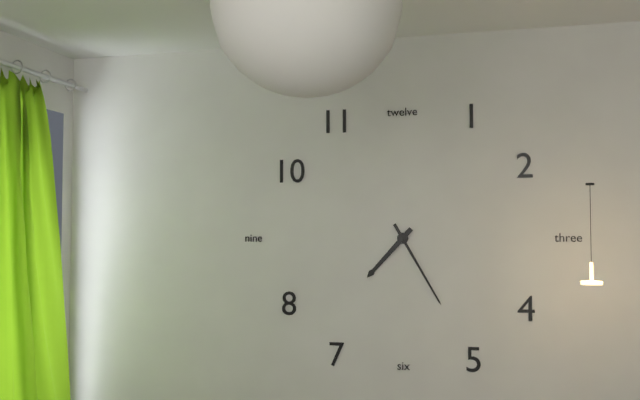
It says 7:25
